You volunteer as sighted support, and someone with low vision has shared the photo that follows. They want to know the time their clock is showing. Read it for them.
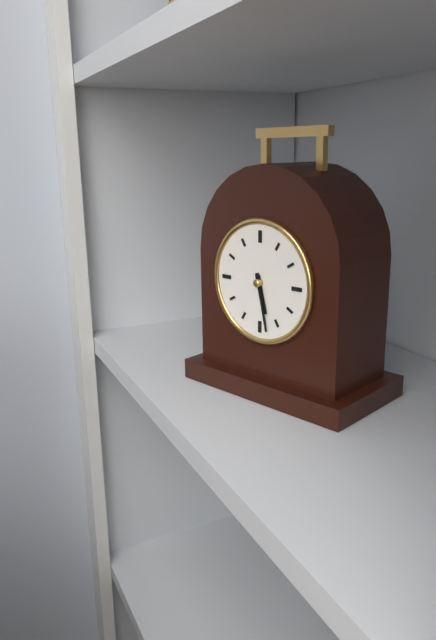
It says 5:28
